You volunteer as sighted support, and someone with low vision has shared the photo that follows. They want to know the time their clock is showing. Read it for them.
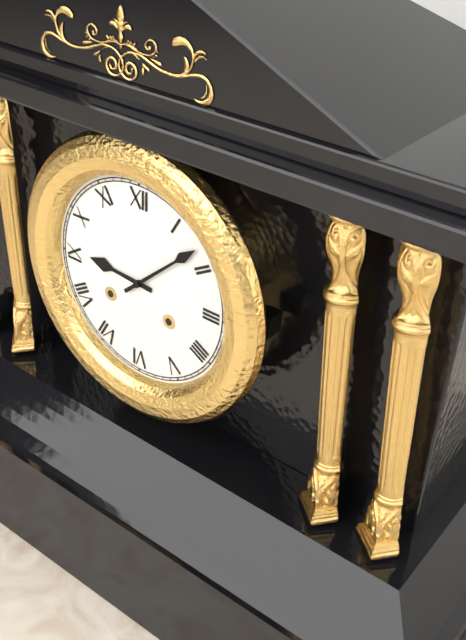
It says 9:08
